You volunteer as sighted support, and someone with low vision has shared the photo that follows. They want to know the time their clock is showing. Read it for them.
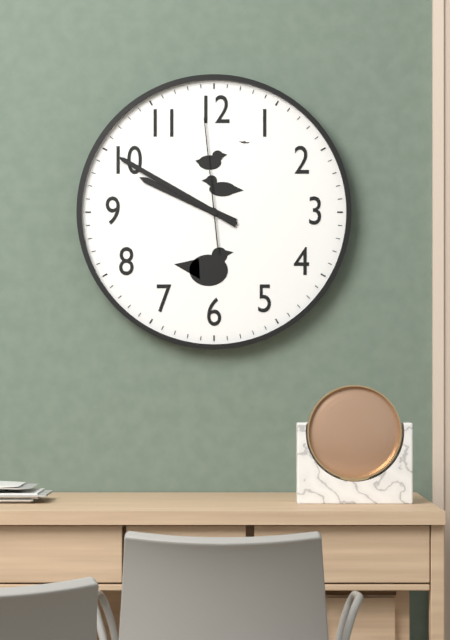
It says 9:50:59
